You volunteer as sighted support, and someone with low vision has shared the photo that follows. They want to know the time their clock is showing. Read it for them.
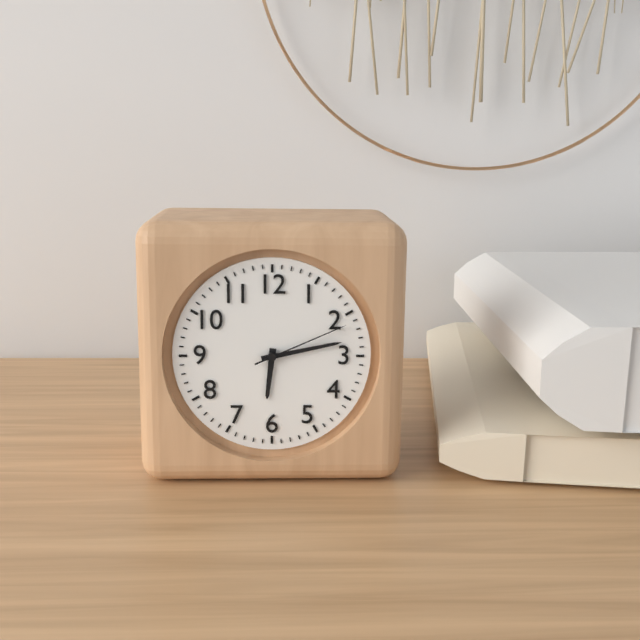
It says 6:13:11
